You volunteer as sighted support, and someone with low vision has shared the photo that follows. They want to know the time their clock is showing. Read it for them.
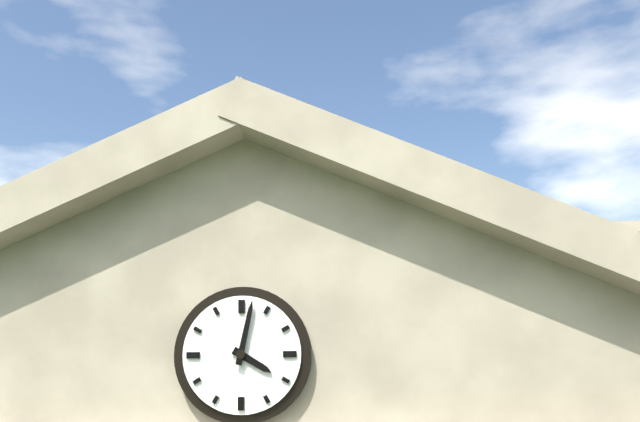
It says 4:02
